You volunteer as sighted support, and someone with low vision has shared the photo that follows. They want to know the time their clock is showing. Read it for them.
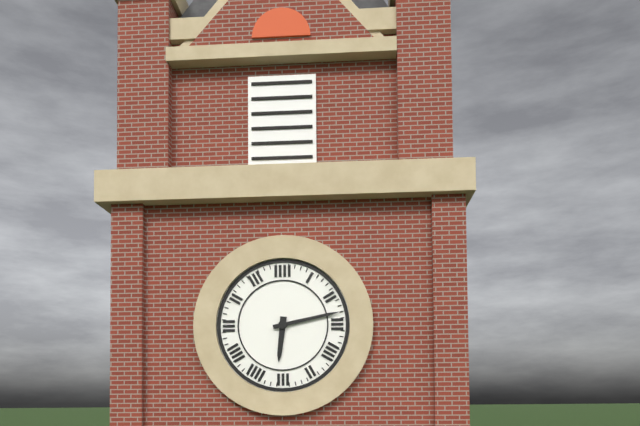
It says 6:13
